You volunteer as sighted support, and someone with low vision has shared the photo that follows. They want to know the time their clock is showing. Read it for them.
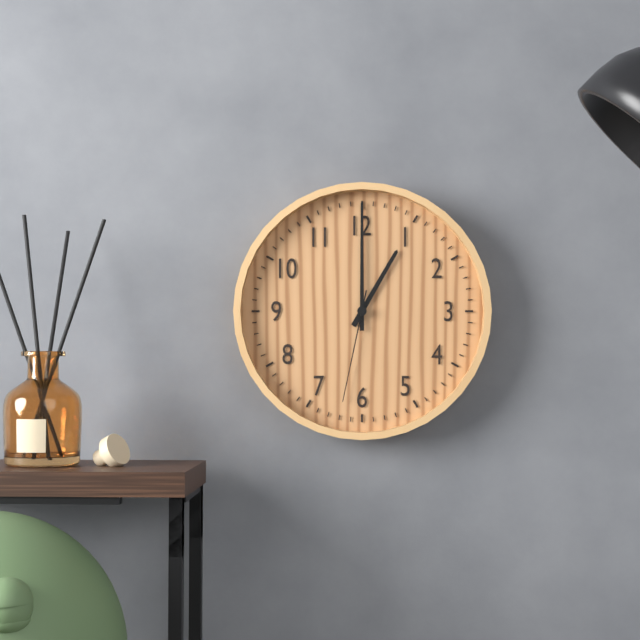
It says 1:00:32
